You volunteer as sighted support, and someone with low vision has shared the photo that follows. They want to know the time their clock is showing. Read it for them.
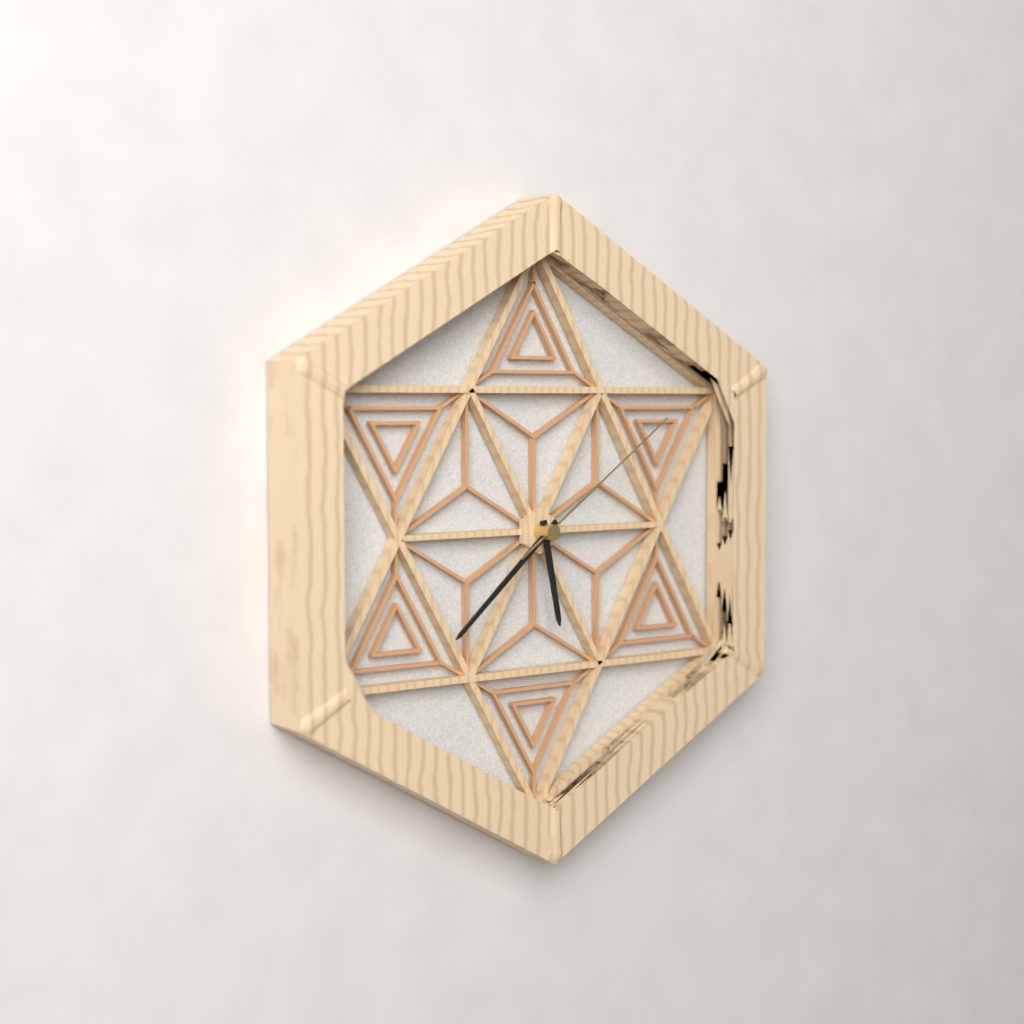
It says 5:38:09
